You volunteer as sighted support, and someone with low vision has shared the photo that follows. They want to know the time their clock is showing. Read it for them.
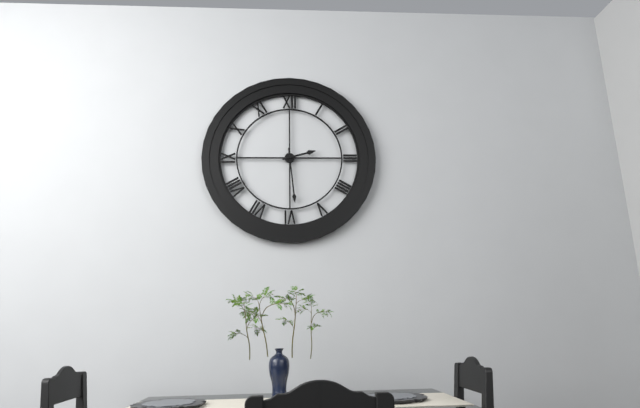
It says 2:29
